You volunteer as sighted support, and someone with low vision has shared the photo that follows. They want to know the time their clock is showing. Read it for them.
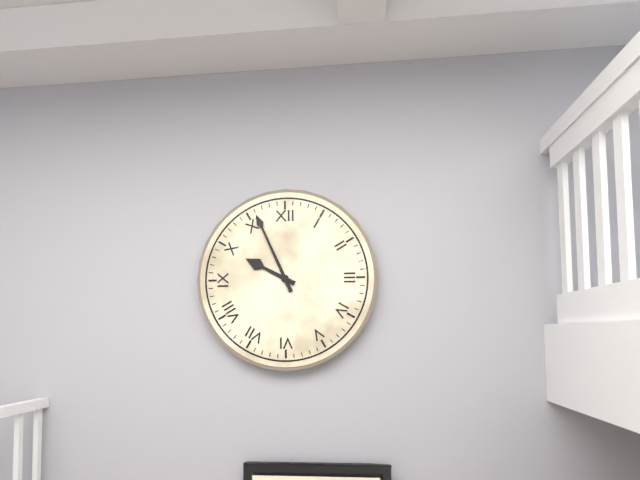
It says 9:56
